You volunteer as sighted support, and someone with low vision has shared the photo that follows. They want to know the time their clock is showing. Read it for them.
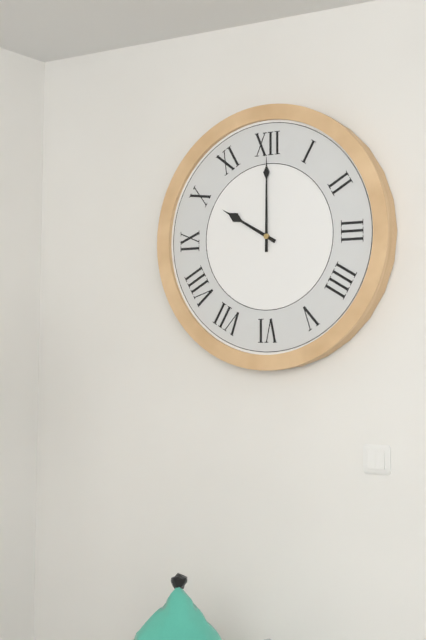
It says 10:00
